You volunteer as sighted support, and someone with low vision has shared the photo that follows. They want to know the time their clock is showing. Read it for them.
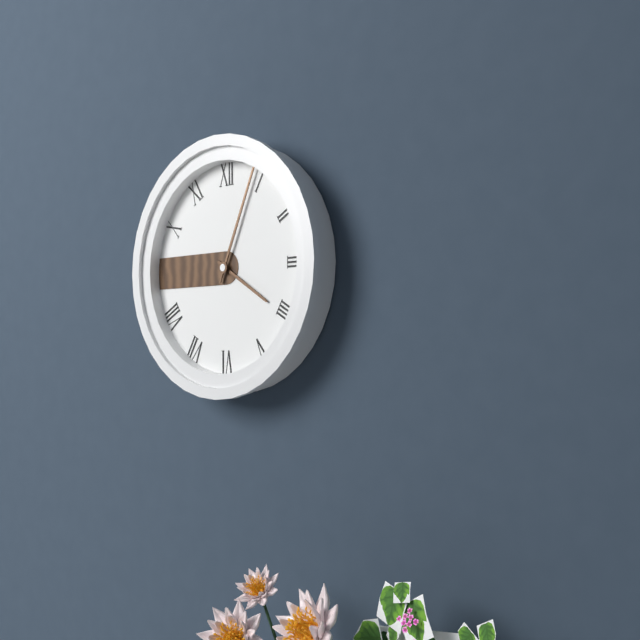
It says 4:04
